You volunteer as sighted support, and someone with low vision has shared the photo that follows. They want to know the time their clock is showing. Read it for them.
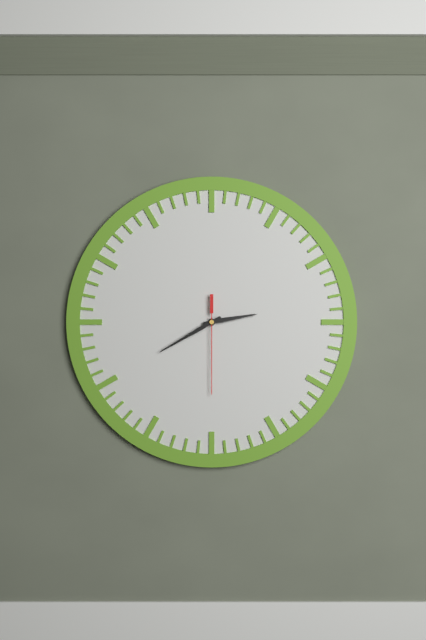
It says 2:40:30
